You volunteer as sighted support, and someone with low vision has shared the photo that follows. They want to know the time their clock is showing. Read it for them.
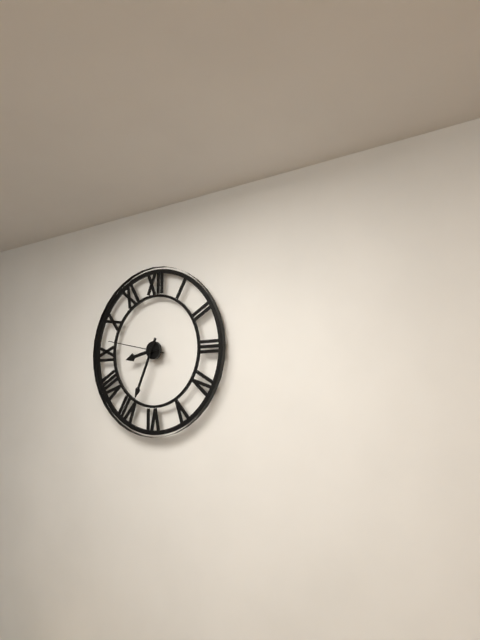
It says 8:34:47
